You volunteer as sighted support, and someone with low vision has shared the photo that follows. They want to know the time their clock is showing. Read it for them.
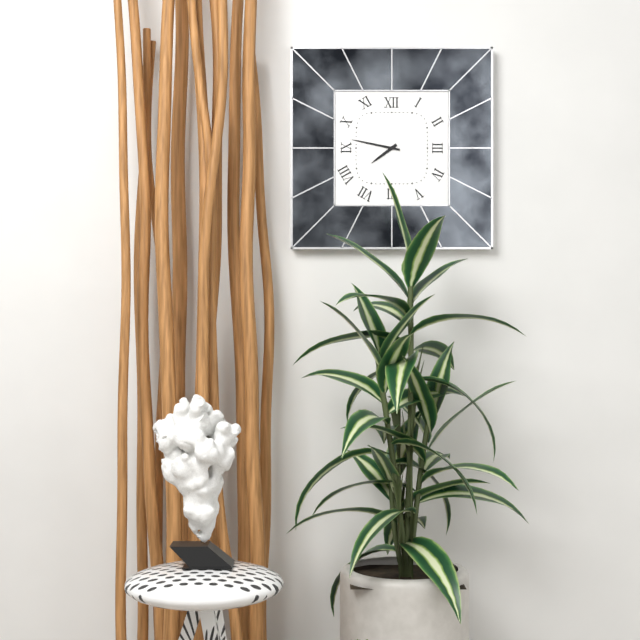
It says 7:47
